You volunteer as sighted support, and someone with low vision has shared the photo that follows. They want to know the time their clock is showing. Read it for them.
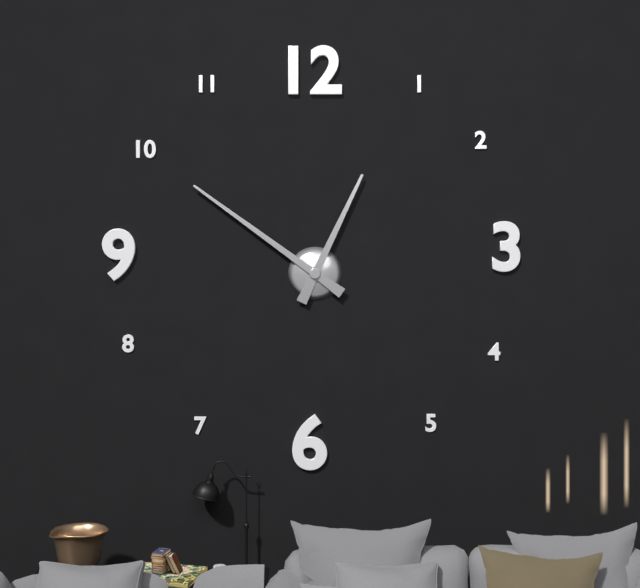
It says 12:51
